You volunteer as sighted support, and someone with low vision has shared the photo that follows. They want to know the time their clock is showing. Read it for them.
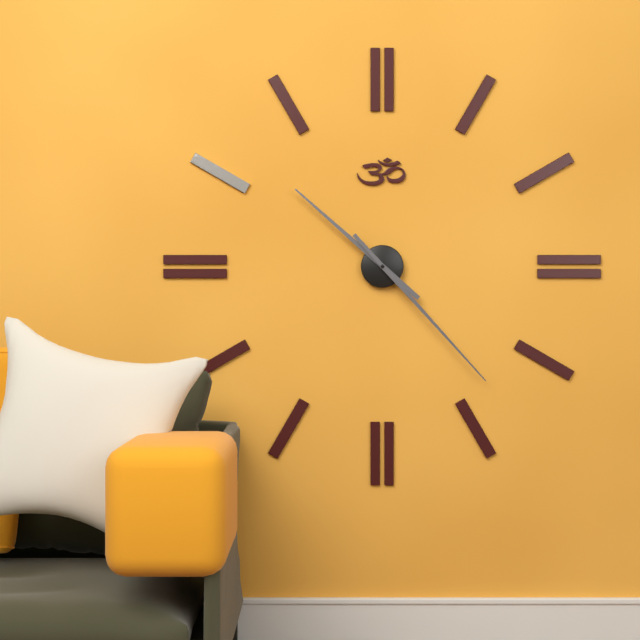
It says 10:23
